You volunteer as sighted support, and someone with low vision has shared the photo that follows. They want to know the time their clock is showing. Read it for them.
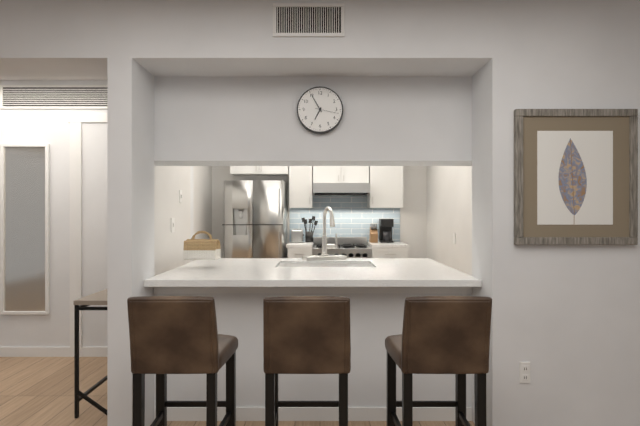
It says 6:55
